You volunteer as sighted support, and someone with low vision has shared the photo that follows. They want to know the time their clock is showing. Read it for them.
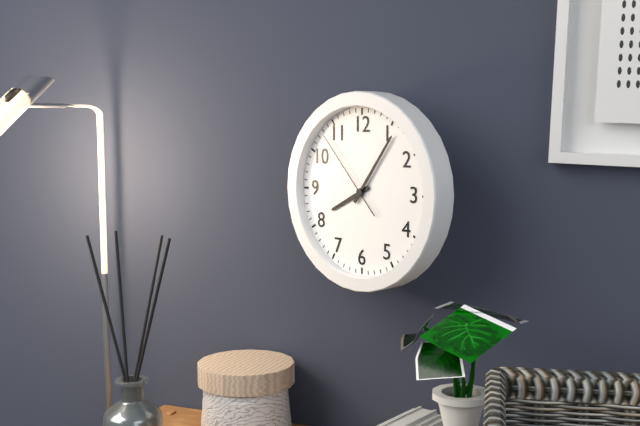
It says 8:06:53
